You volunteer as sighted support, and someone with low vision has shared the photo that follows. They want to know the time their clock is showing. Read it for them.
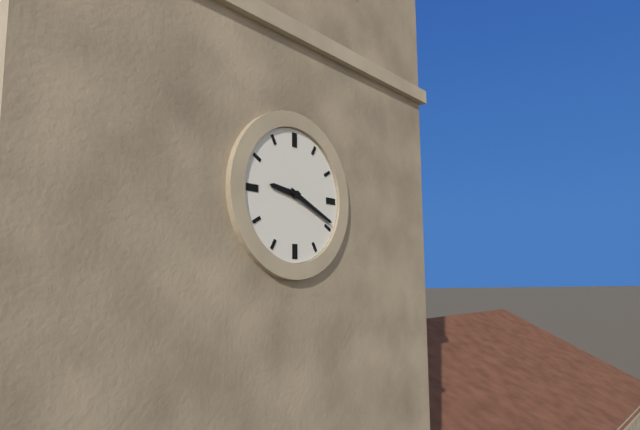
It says 9:19
